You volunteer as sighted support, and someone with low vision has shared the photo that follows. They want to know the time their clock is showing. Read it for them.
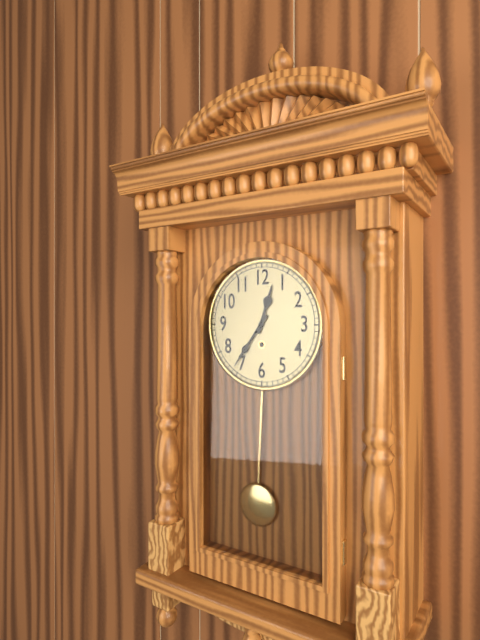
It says 12:36
